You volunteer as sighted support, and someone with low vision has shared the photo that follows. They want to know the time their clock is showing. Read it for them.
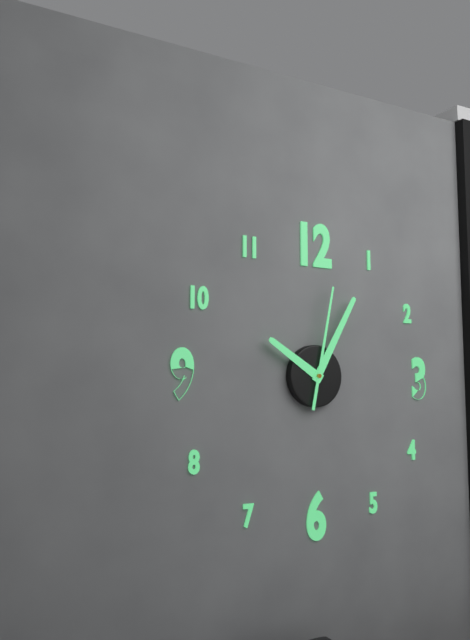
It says 10:05:02
